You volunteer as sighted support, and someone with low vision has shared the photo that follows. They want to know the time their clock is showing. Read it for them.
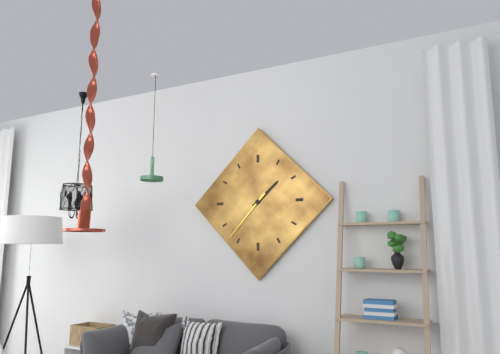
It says 1:37
